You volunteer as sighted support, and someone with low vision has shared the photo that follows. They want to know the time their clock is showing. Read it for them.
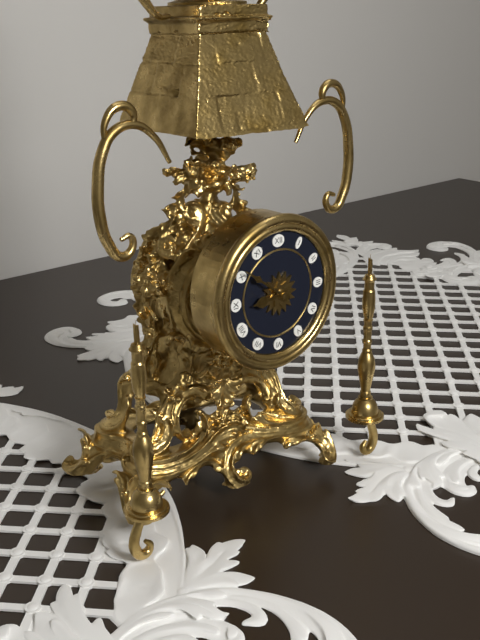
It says 8:51
